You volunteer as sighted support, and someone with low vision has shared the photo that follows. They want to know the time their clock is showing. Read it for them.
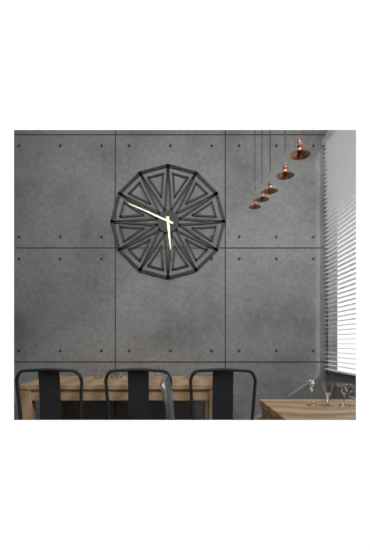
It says 5:49
